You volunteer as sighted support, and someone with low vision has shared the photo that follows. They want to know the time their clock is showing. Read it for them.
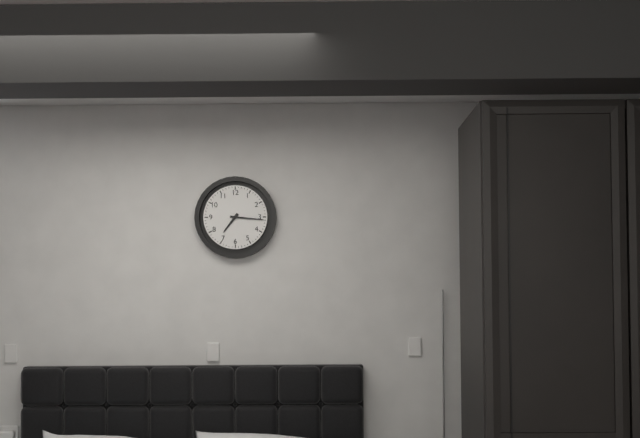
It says 7:16
